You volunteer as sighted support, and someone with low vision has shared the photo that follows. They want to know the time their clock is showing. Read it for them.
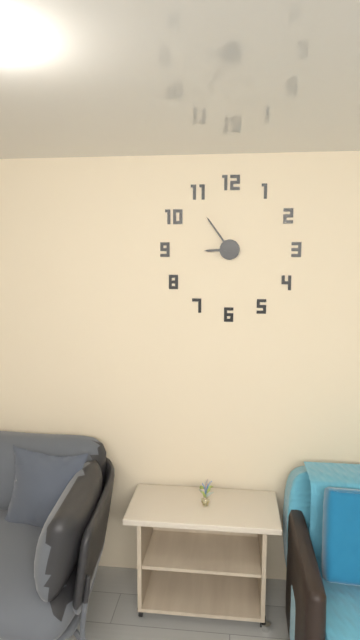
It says 8:54
